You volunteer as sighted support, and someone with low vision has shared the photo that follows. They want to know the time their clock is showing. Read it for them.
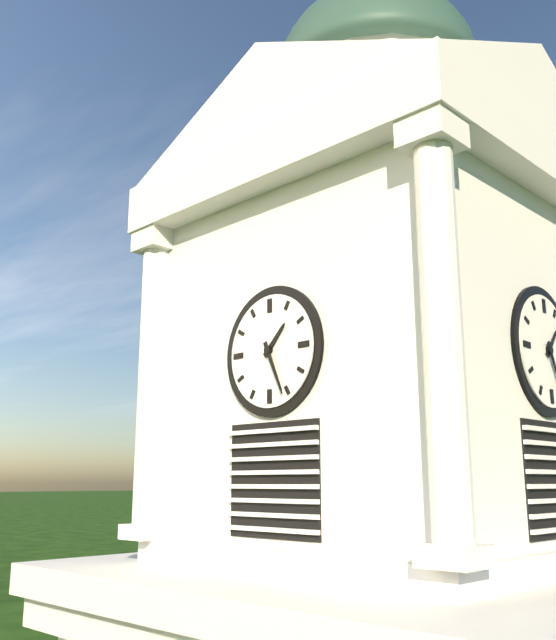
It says 1:26
